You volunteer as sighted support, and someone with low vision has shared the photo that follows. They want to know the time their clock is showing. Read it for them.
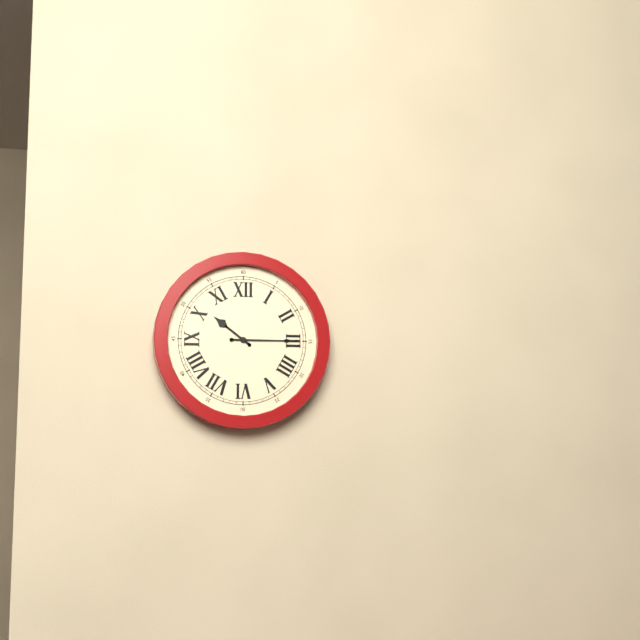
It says 10:15
